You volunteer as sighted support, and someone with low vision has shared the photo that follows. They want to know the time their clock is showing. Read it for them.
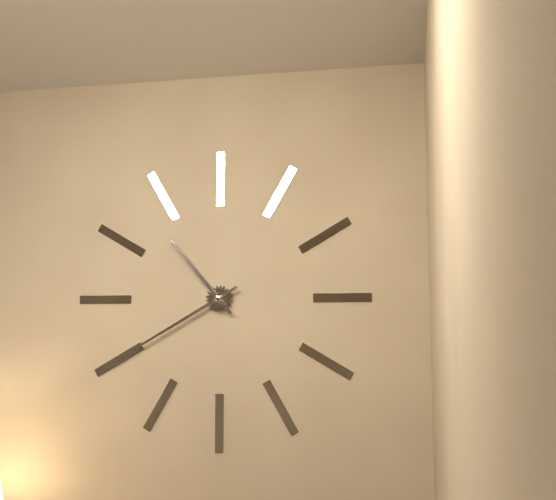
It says 10:40
